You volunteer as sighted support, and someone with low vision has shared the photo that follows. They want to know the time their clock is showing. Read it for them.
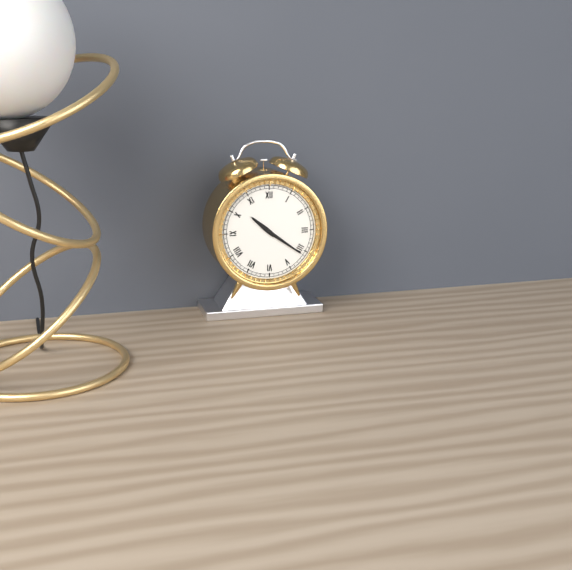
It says 10:21
